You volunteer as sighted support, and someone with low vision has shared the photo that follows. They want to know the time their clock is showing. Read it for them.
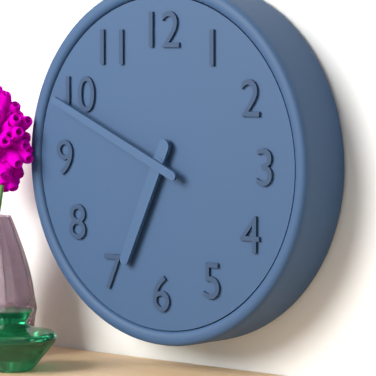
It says 6:49
